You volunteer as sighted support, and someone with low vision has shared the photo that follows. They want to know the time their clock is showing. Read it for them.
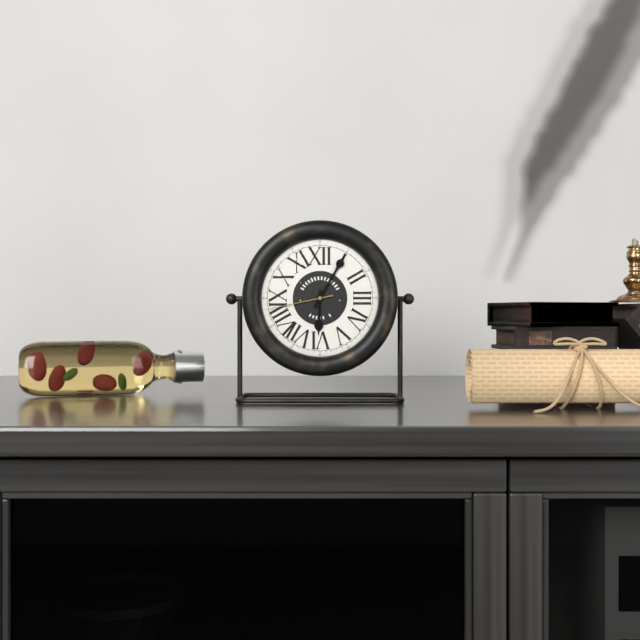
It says 6:05:43
